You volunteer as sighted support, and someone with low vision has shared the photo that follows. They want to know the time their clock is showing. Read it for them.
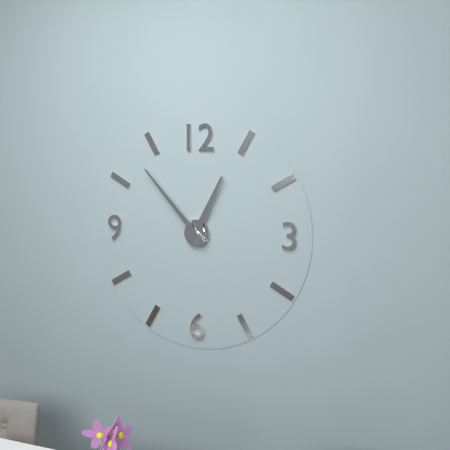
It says 12:53
